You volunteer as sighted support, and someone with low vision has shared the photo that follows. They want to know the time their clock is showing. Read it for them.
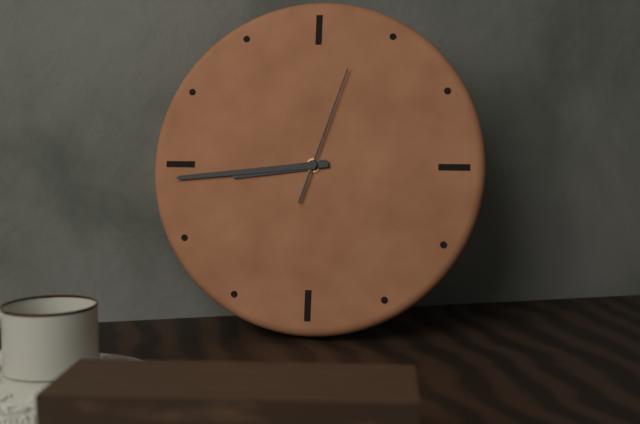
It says 8:44:03
